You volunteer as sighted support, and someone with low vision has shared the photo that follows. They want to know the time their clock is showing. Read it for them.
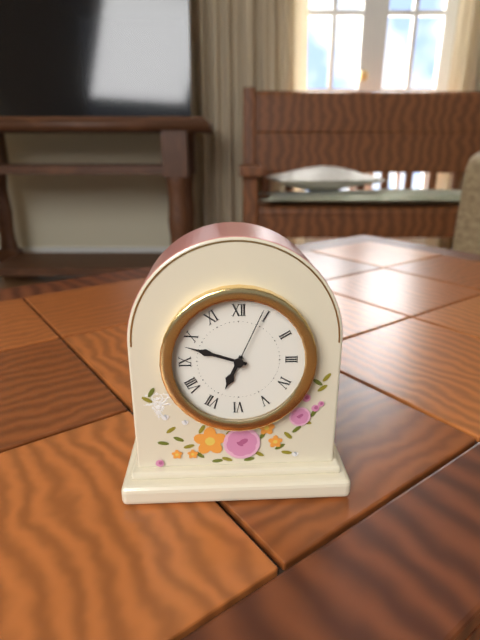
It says 6:48:04
